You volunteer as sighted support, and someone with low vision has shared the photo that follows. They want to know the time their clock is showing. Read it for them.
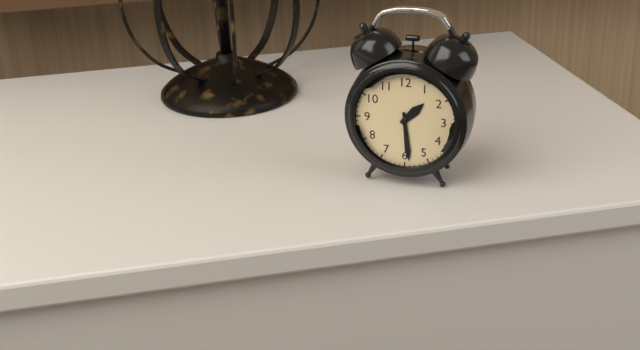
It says 1:29
